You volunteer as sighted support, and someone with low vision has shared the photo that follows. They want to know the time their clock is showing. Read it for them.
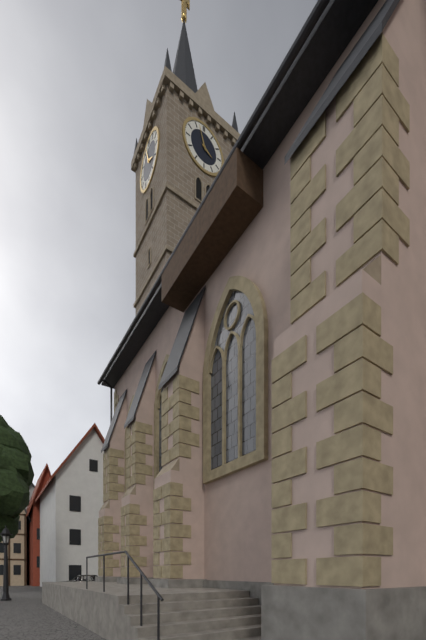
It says 3:57
